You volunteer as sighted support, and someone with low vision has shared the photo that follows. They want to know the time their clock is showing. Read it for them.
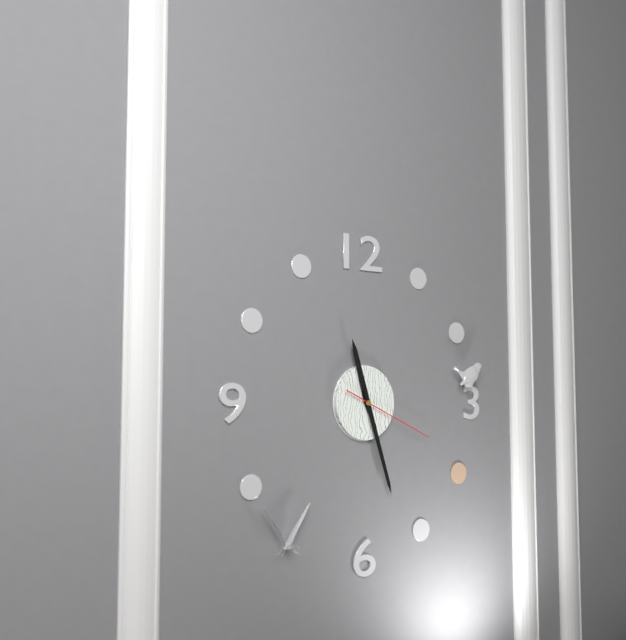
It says 11:27:19
